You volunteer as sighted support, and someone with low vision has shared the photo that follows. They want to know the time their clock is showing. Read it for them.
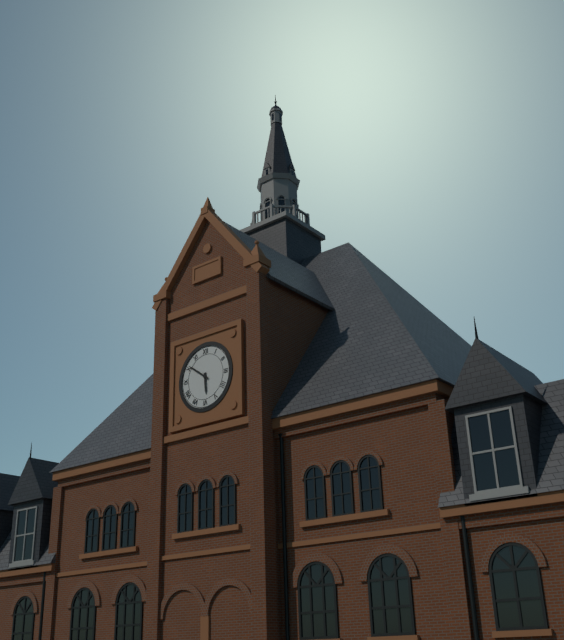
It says 5:51
